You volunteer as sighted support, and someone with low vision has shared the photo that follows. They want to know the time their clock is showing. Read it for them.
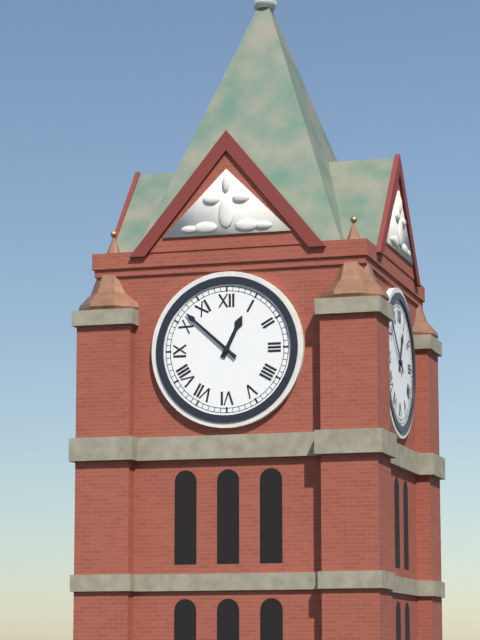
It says 12:52
